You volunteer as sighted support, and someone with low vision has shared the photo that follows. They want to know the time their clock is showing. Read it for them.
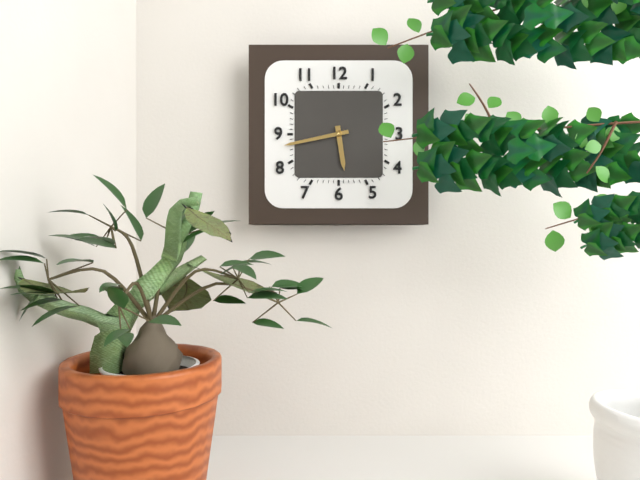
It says 5:43
